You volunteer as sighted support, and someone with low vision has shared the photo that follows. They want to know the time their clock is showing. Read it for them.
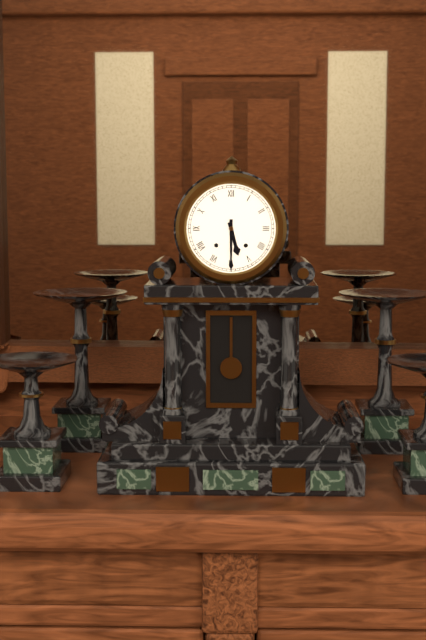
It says 5:30
